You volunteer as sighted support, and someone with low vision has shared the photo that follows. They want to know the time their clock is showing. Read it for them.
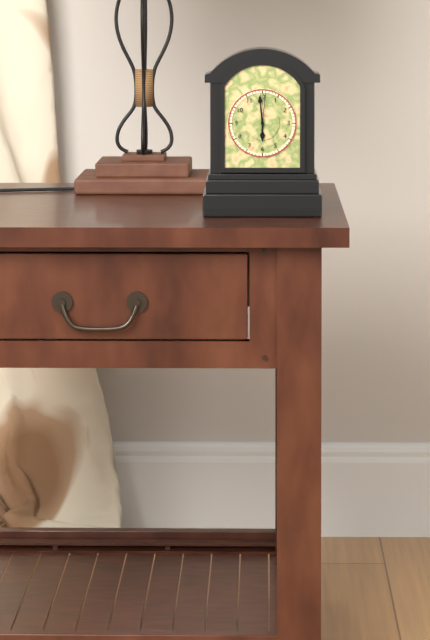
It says 5:59
